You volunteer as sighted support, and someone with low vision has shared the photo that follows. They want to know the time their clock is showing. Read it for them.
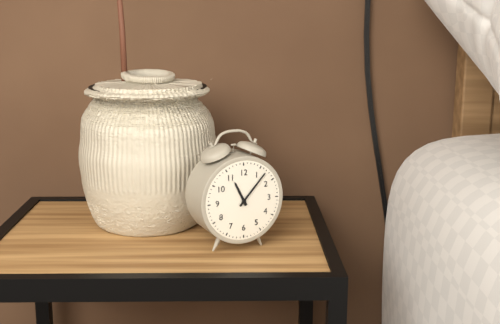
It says 11:07
